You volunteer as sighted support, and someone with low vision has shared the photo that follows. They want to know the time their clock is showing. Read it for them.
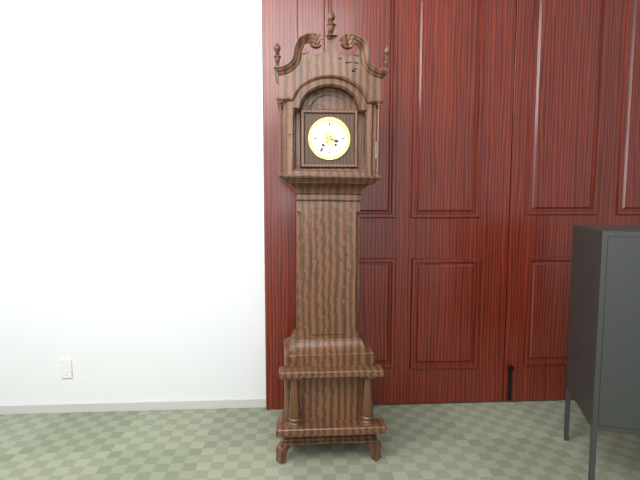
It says 3:36
